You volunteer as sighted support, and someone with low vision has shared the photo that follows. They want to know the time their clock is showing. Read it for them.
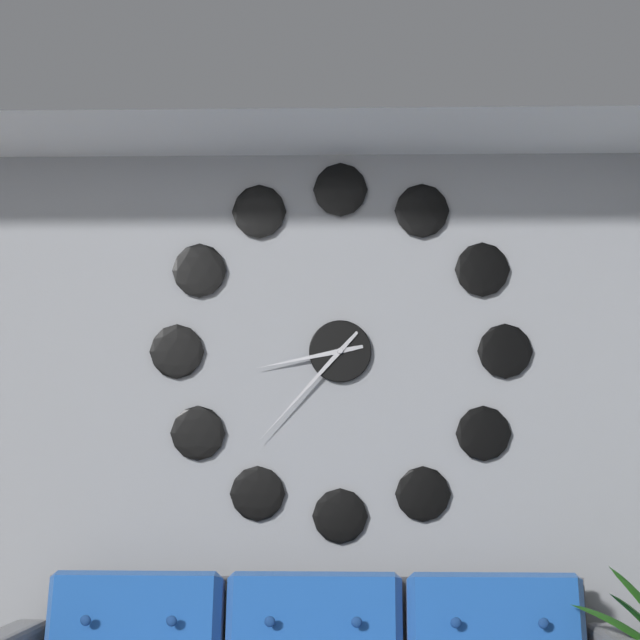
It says 8:37
